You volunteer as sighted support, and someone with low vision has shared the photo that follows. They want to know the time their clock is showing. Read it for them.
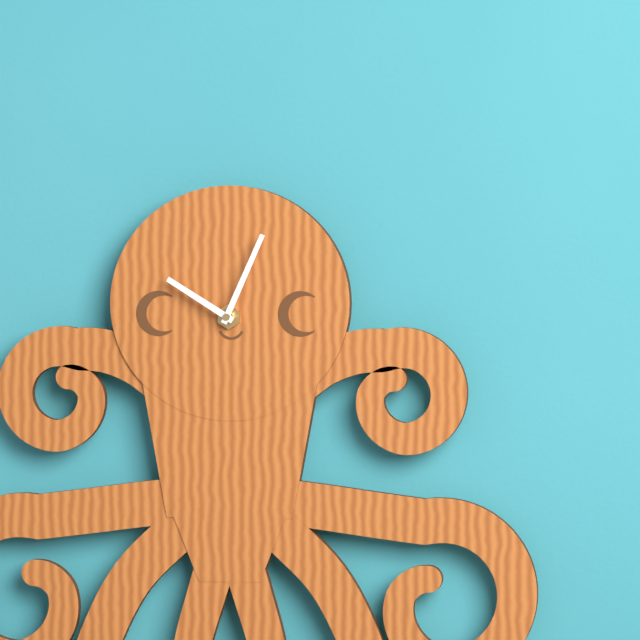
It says 10:04
